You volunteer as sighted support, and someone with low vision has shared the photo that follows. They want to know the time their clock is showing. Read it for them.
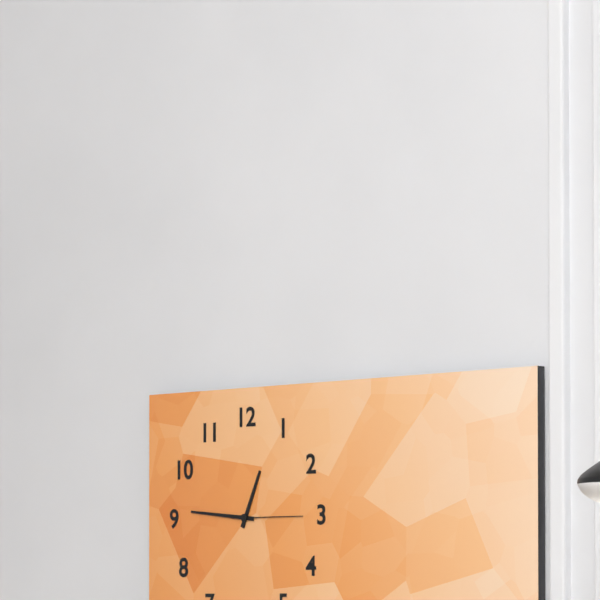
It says 12:46:15
